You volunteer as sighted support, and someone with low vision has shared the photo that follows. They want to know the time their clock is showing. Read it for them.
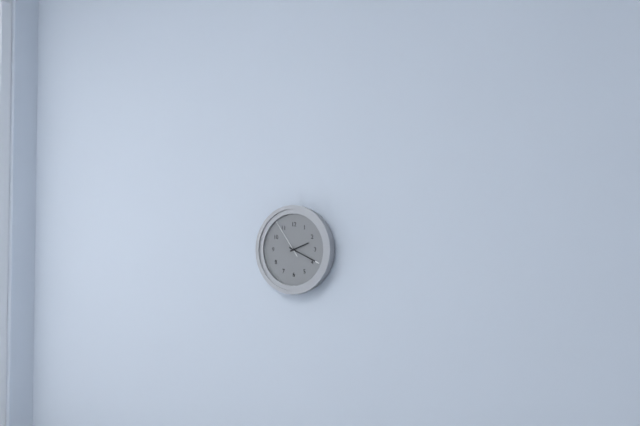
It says 2:19
